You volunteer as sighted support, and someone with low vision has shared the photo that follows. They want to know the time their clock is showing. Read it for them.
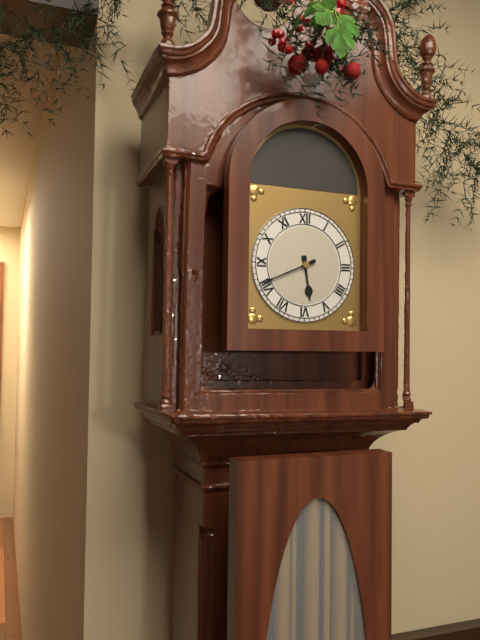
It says 5:41
